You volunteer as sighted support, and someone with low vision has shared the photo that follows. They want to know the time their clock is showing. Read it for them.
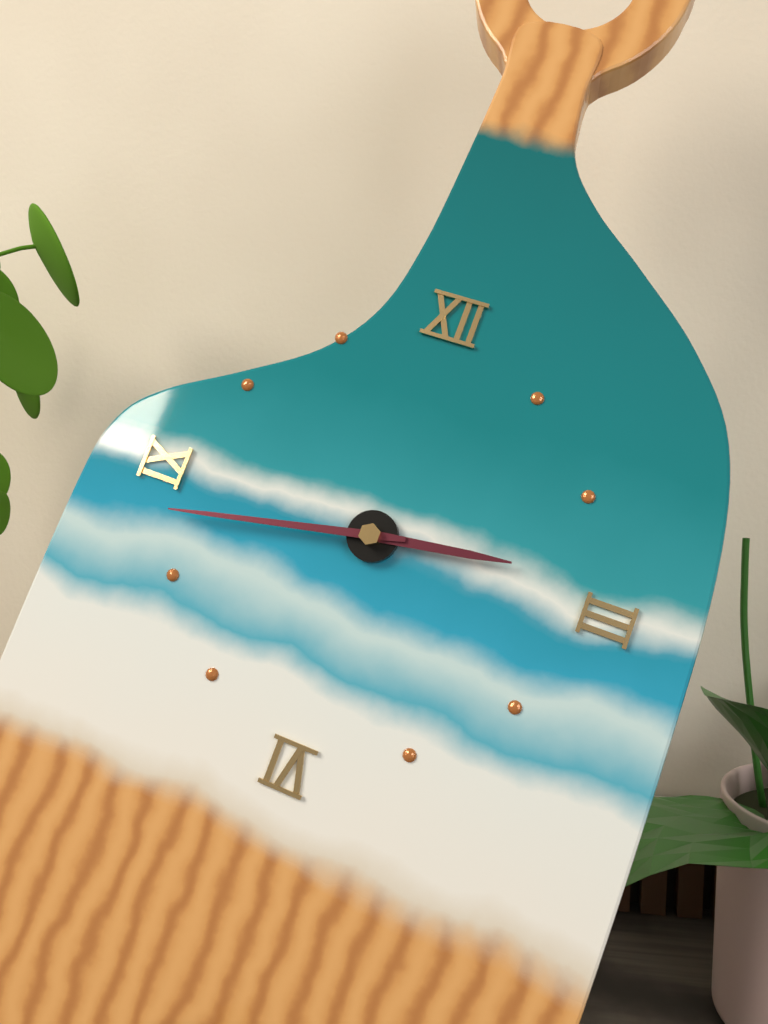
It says 2:43
